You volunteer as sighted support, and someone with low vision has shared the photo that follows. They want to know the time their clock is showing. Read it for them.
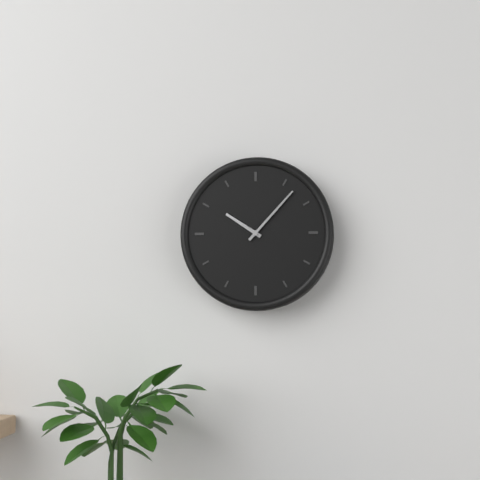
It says 10:07
